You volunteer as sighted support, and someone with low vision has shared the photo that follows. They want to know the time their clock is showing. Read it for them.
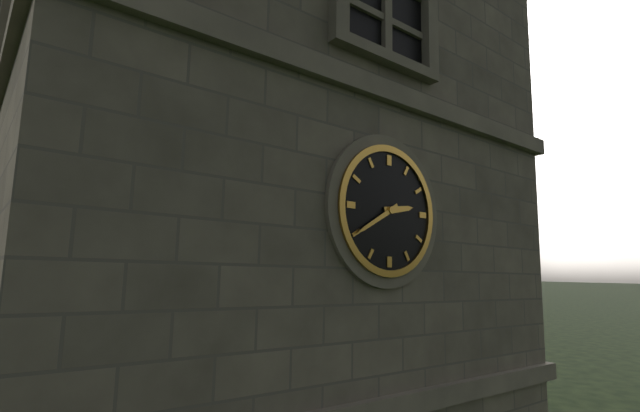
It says 2:40
